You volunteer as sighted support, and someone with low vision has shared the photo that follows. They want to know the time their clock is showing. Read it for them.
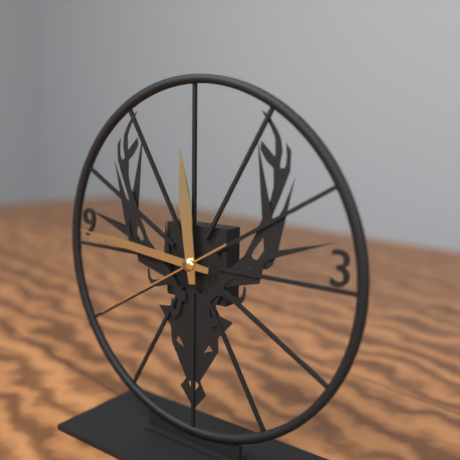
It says 11:46:40
